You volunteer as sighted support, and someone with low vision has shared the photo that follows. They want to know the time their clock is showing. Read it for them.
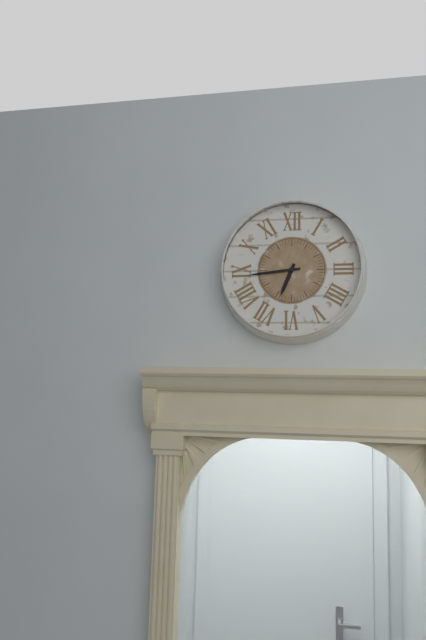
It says 6:44
